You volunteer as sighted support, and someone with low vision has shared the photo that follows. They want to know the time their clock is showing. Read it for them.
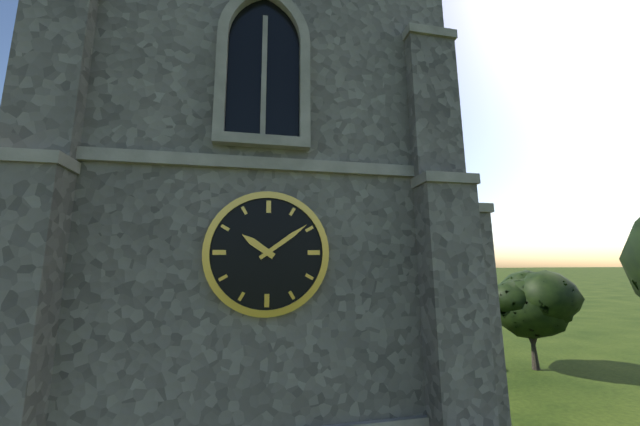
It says 10:09
